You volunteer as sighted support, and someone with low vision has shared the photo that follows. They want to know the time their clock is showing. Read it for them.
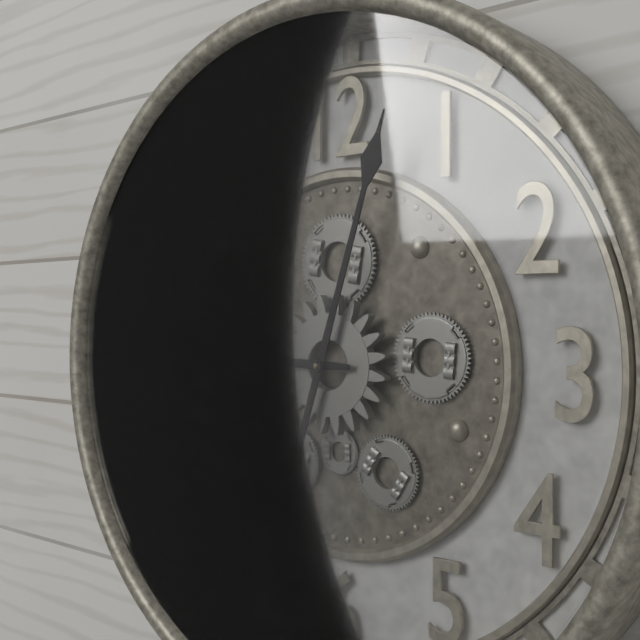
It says 9:03
